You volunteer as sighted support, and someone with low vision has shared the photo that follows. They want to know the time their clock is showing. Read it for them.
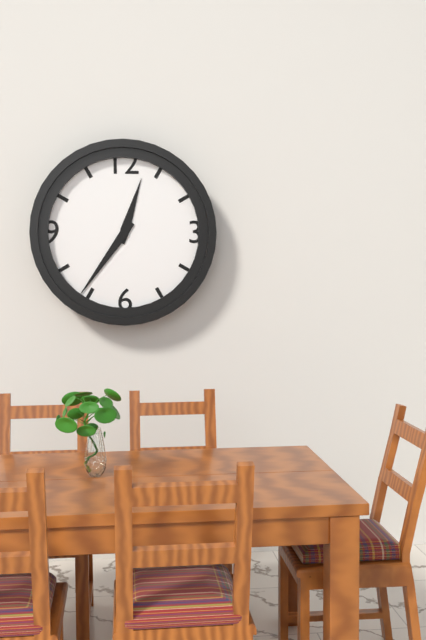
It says 12:36
